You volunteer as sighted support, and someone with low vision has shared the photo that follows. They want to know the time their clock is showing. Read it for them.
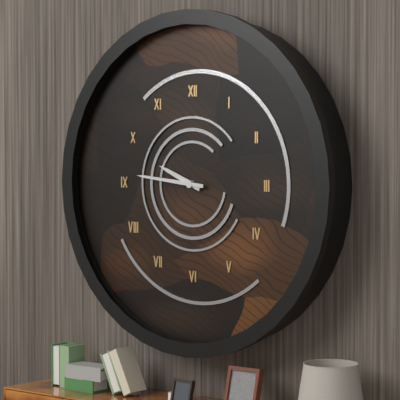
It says 9:46
